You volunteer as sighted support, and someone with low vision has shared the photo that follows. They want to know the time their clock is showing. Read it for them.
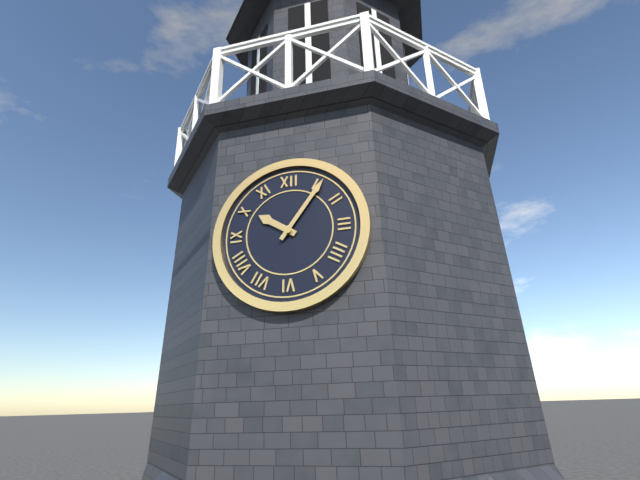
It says 10:06
